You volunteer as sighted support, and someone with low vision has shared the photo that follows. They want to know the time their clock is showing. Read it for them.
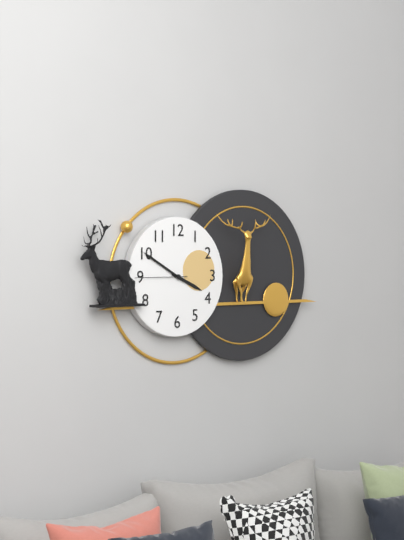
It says 3:50:45
